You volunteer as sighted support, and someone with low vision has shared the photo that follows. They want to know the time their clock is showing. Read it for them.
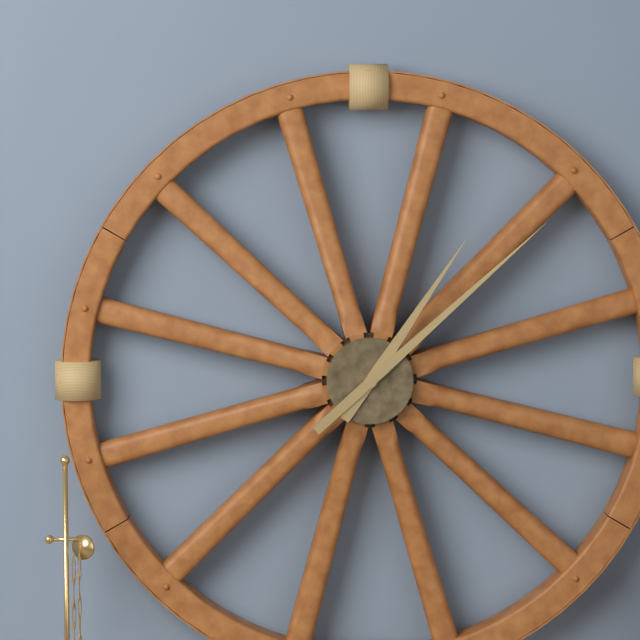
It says 1:08
